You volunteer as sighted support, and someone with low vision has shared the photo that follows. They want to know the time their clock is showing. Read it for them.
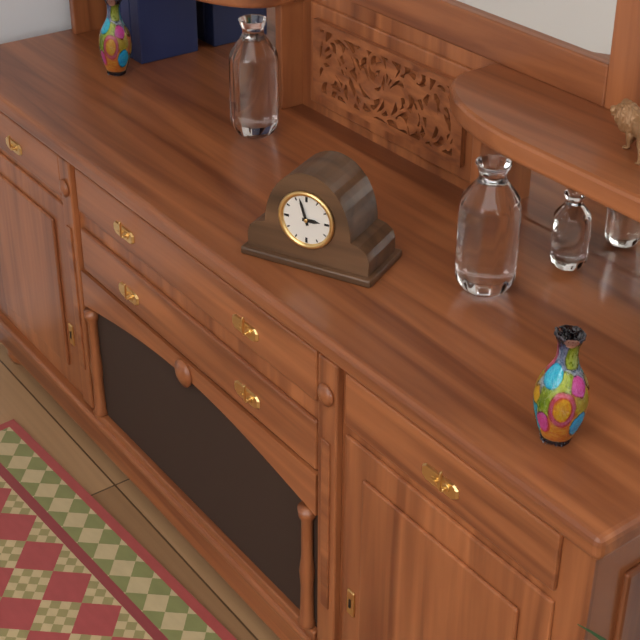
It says 2:57
